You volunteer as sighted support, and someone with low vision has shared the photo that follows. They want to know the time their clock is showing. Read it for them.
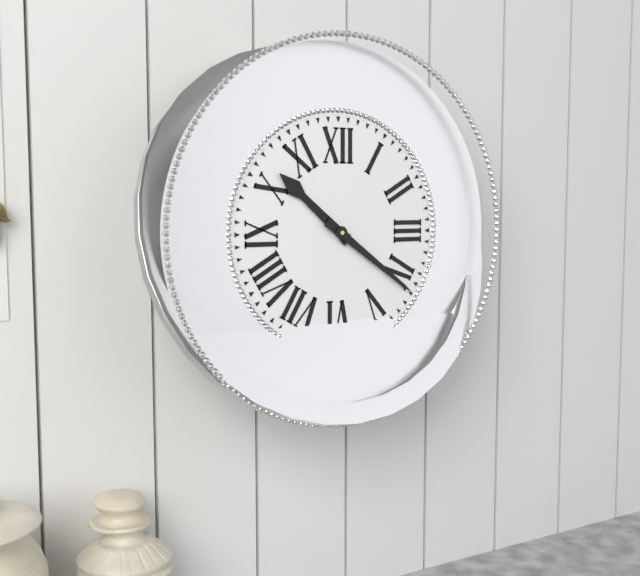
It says 10:21
